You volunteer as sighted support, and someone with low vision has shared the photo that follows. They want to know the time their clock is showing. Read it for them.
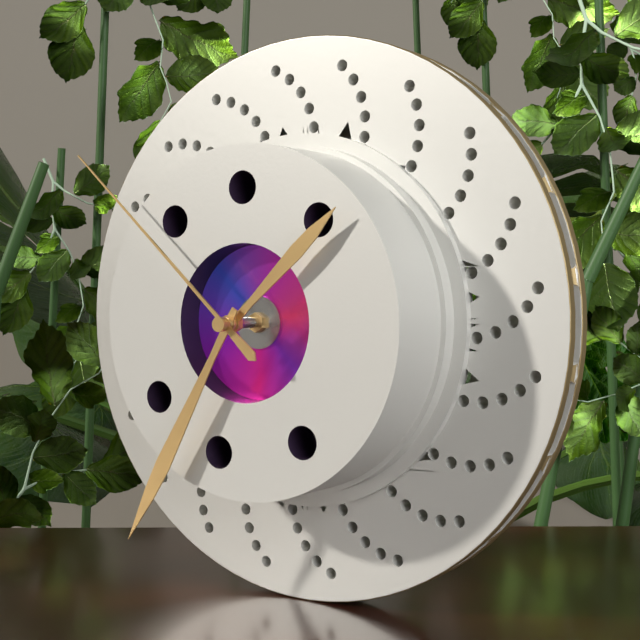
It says 1:35:52
